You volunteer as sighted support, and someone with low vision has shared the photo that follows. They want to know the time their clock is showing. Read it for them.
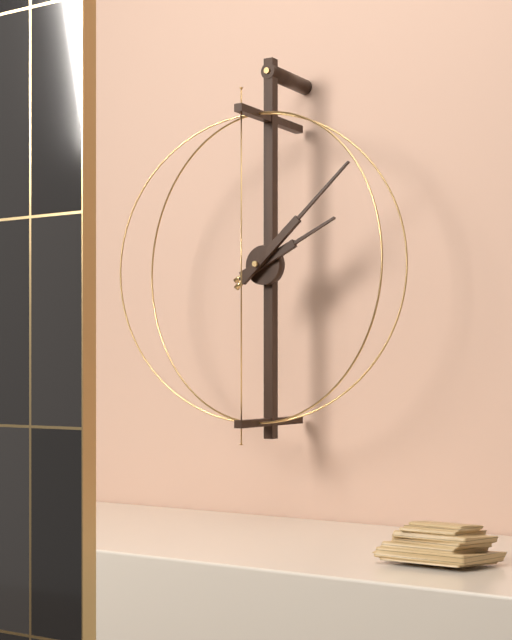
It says 2:08
